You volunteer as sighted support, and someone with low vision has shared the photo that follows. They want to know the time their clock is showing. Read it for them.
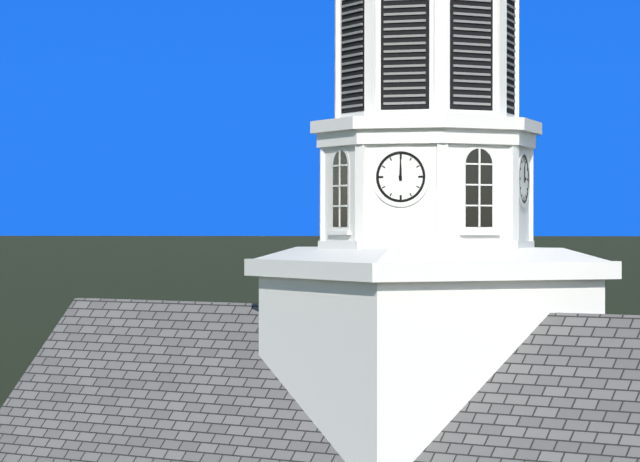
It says 12:00
